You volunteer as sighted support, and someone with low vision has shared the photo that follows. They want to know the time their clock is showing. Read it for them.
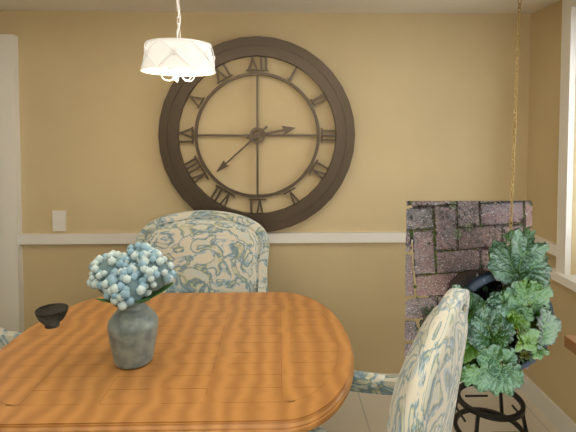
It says 2:38
